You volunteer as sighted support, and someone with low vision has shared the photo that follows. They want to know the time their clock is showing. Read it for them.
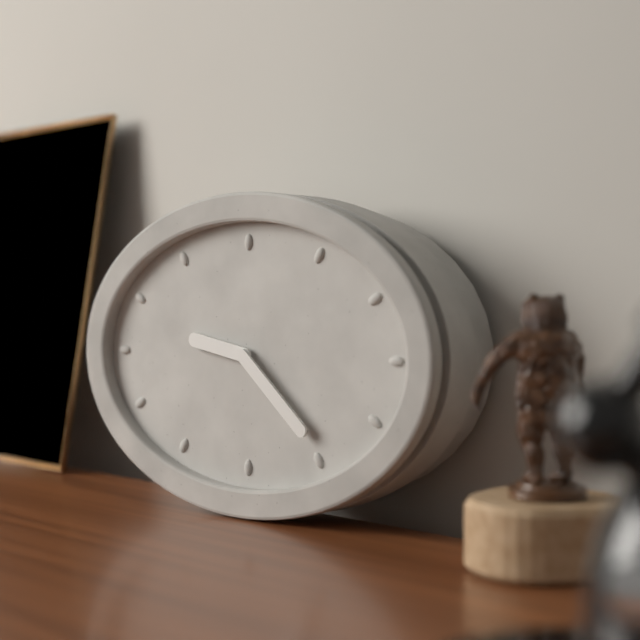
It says 9:22
